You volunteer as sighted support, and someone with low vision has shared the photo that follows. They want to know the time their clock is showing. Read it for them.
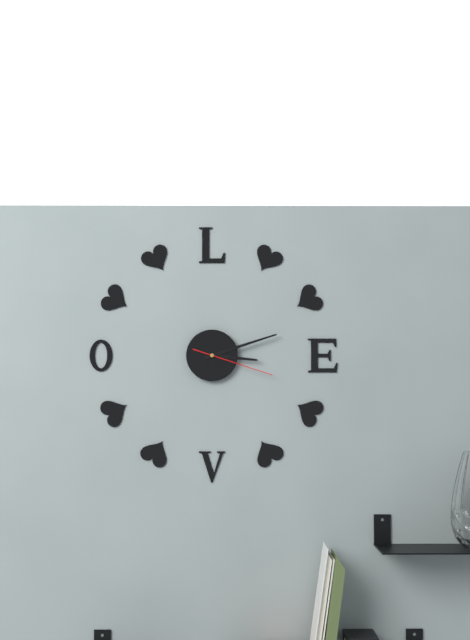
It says 3:12:18
